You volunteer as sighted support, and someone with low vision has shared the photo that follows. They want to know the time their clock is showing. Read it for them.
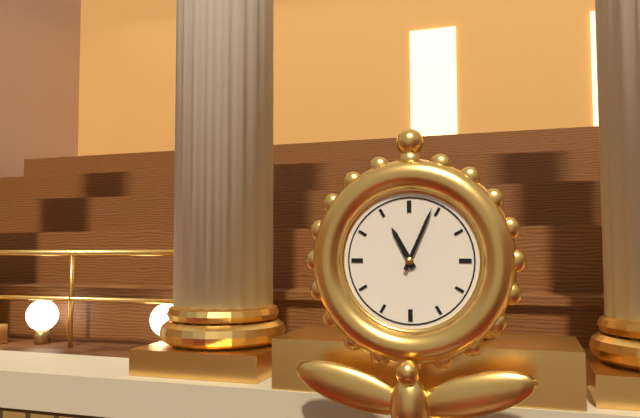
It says 11:04
